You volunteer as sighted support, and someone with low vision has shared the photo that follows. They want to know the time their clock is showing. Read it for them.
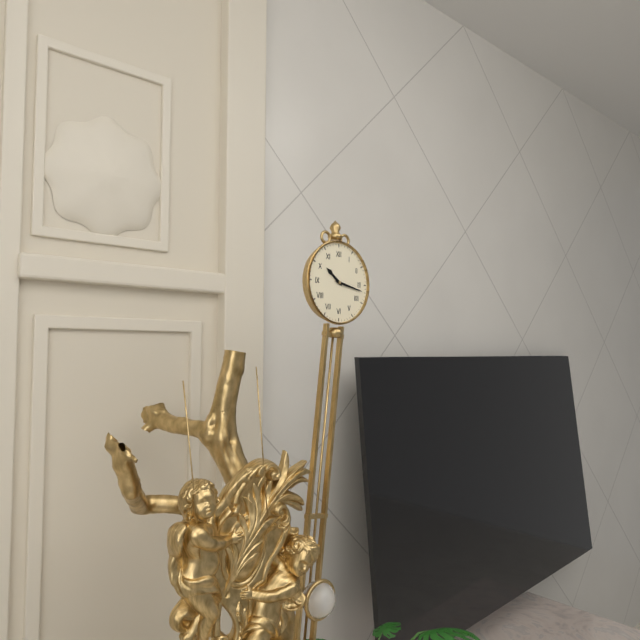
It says 10:17
